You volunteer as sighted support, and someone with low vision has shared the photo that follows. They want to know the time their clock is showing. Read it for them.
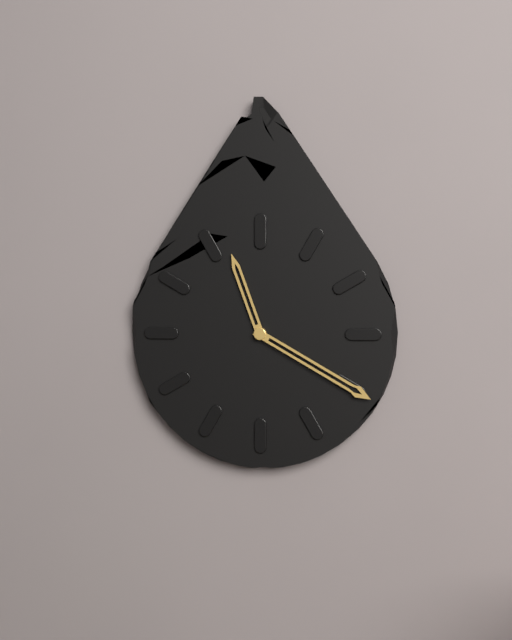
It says 11:20
